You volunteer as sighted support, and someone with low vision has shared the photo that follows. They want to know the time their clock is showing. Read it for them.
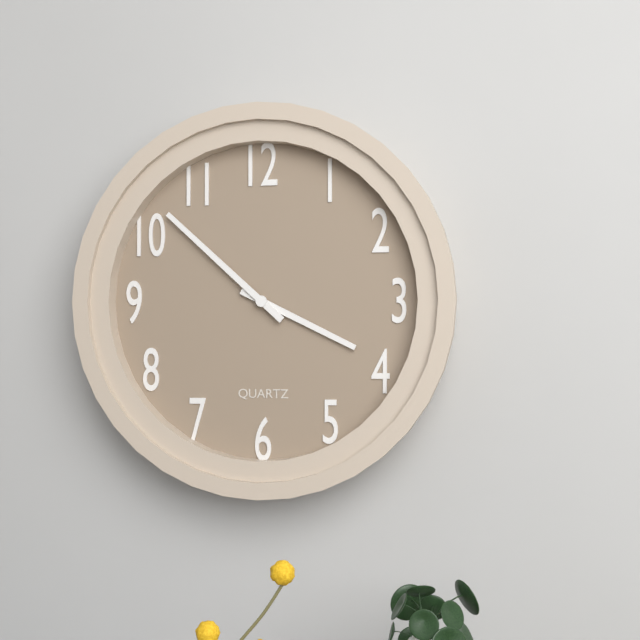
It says 3:52
